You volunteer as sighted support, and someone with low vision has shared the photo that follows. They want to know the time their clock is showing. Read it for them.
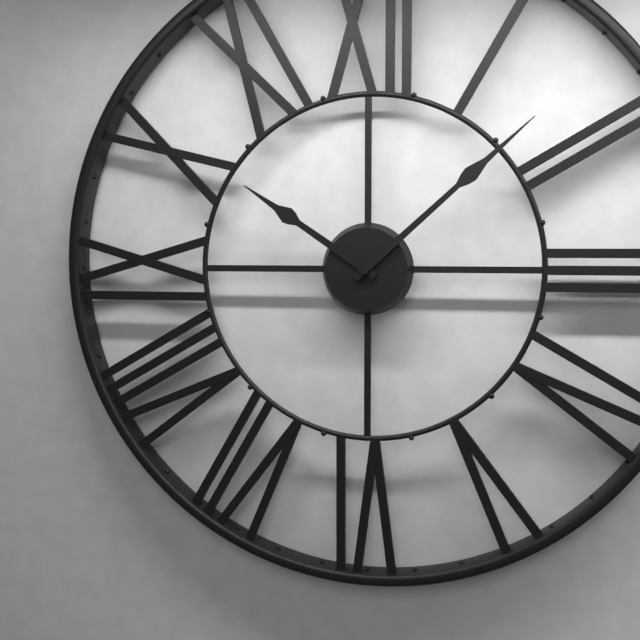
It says 10:08
